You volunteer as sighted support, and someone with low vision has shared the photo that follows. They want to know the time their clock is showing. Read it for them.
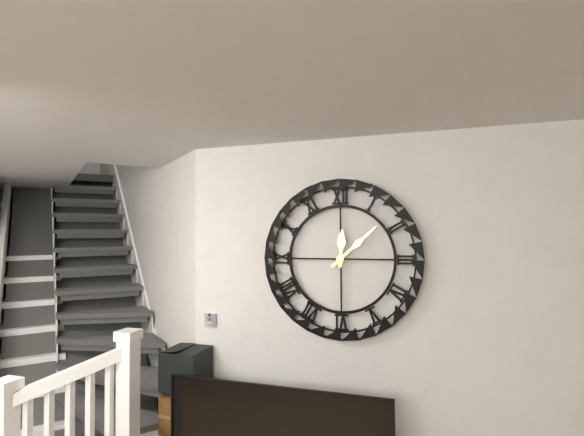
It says 12:08
